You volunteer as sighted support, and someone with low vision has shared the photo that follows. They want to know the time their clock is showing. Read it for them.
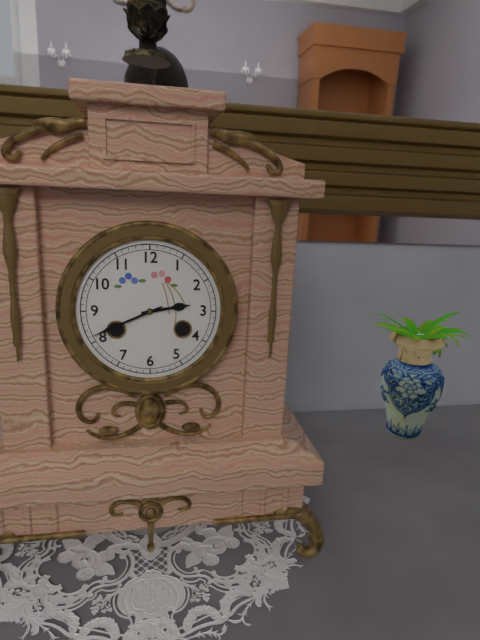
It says 2:41
